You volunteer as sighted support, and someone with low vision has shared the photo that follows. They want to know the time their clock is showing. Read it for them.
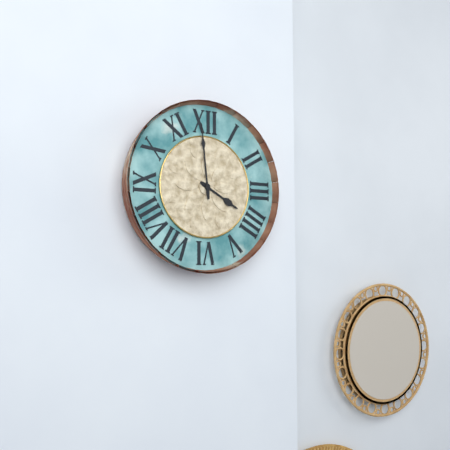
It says 3:59
